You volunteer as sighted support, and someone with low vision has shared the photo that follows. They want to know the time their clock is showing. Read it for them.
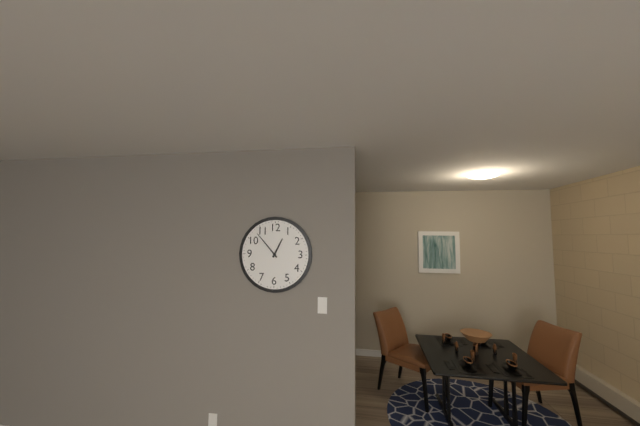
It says 12:53
